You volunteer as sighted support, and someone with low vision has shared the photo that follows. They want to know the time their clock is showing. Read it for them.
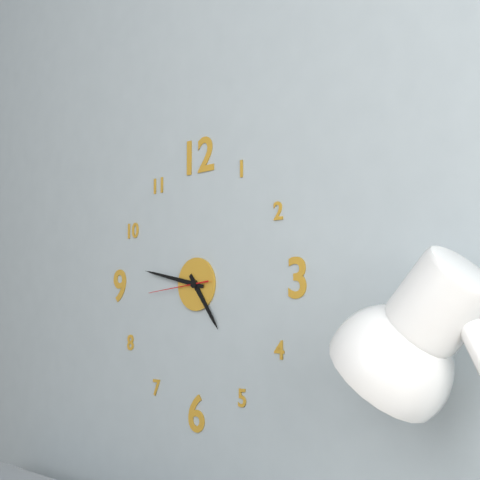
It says 4:47:44
